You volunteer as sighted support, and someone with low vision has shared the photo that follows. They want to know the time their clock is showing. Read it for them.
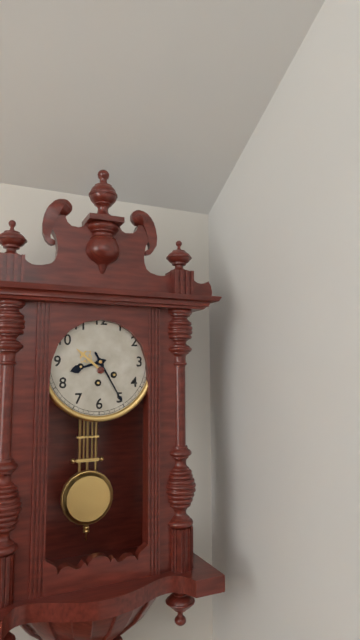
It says 8:25
